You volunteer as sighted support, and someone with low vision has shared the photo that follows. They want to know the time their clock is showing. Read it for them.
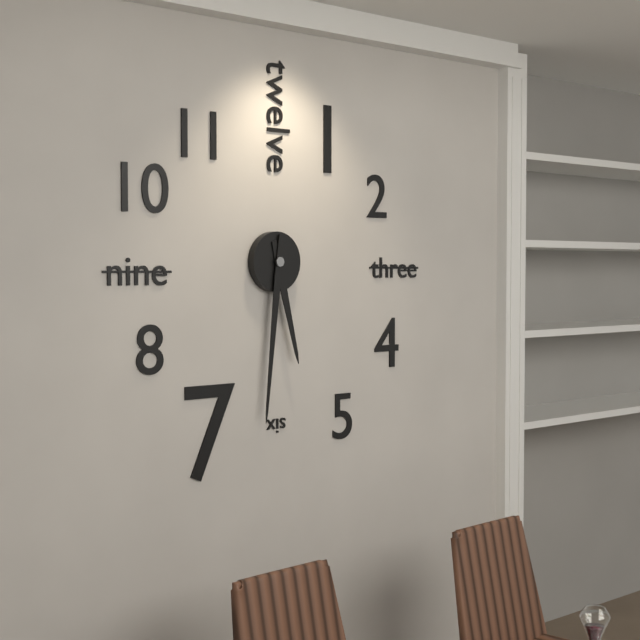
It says 5:31
